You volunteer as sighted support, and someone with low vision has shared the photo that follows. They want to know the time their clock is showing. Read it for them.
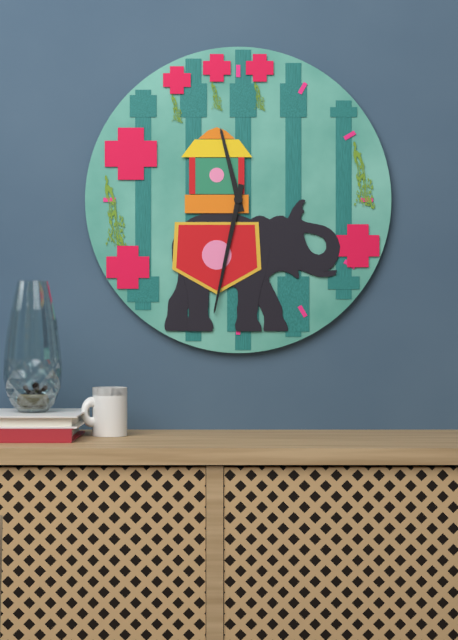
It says 11:32
